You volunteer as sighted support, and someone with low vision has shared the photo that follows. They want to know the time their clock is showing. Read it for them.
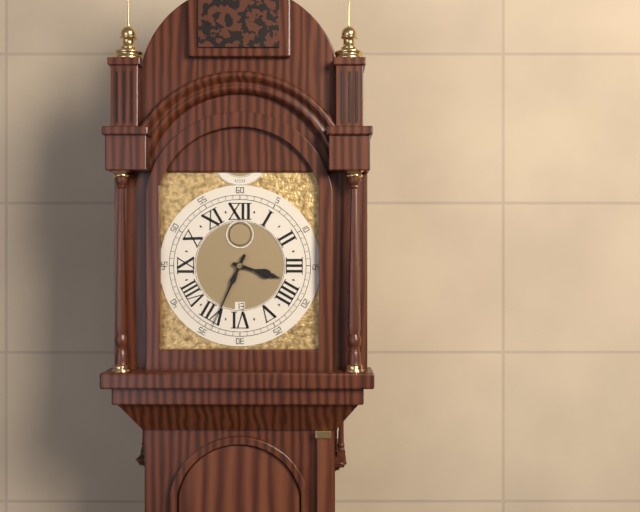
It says 3:34
